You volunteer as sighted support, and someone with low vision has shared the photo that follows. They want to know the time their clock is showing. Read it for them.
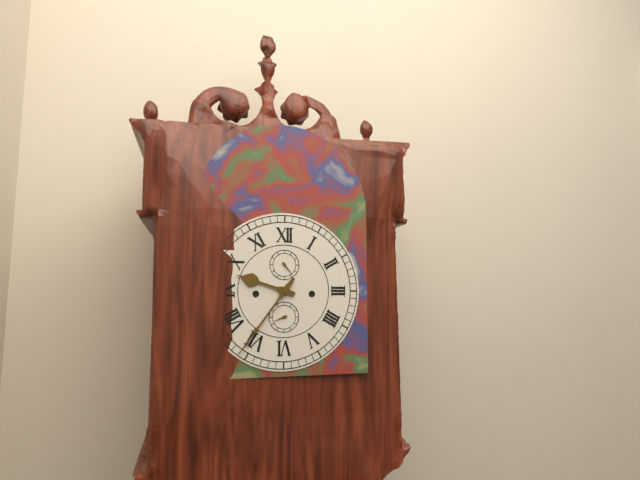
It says 9:36
